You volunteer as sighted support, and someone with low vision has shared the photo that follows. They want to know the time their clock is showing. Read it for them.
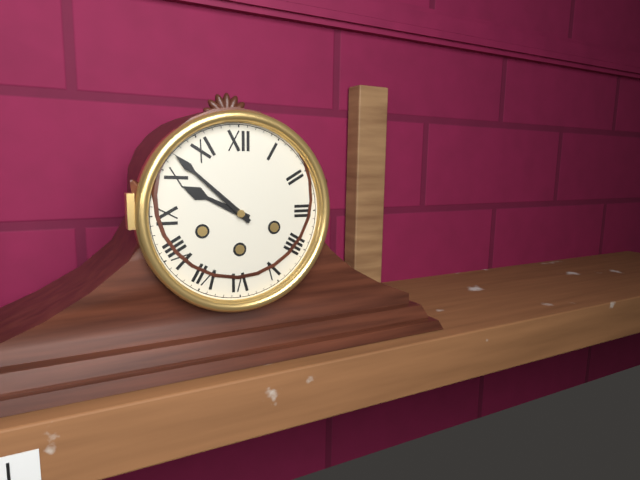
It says 9:52
